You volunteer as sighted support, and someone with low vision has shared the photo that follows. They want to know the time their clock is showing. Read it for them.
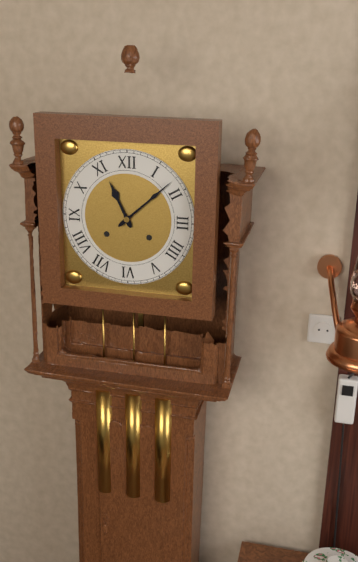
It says 11:08
